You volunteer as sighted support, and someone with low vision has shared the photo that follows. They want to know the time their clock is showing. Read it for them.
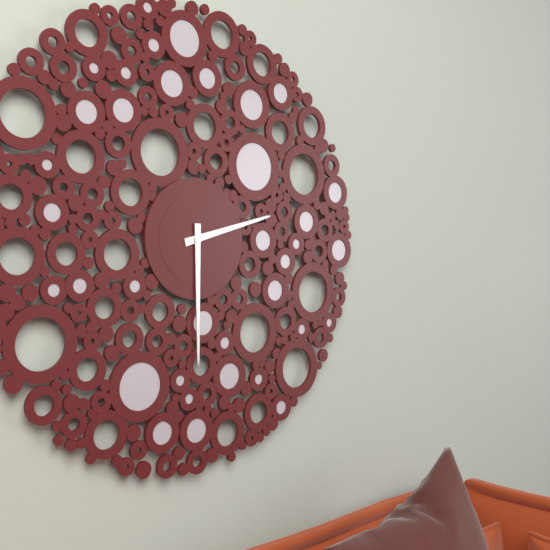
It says 2:30
